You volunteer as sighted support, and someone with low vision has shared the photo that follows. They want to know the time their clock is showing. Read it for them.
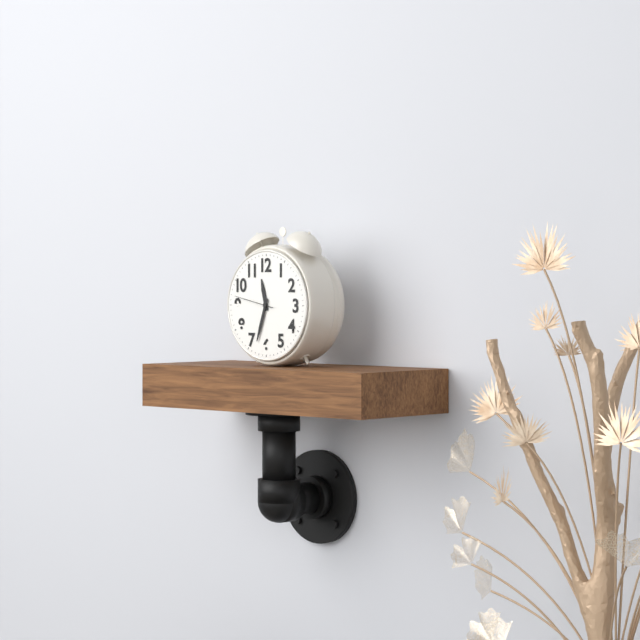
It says 11:33
